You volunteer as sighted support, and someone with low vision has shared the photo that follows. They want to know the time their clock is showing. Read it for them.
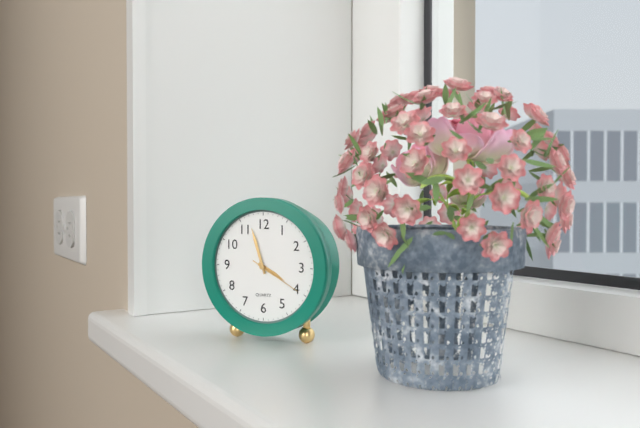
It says 3:57:20
